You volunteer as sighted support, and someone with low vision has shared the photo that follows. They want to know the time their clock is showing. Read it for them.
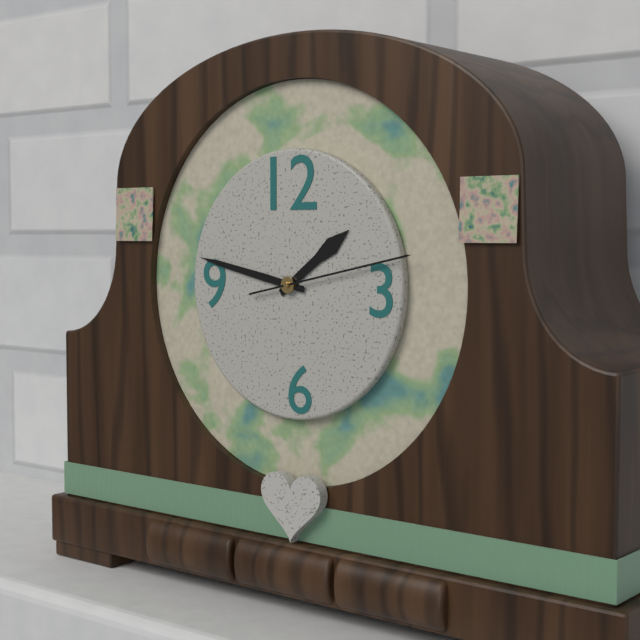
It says 1:47:13
